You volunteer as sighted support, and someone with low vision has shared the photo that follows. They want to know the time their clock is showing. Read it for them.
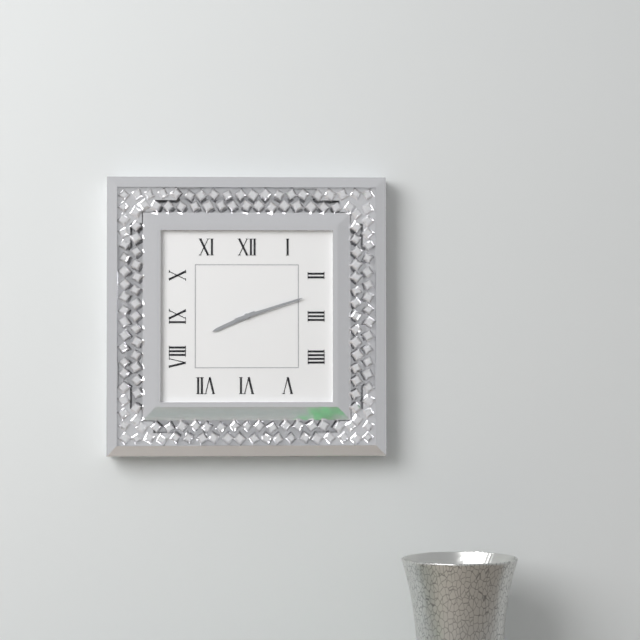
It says 8:12
